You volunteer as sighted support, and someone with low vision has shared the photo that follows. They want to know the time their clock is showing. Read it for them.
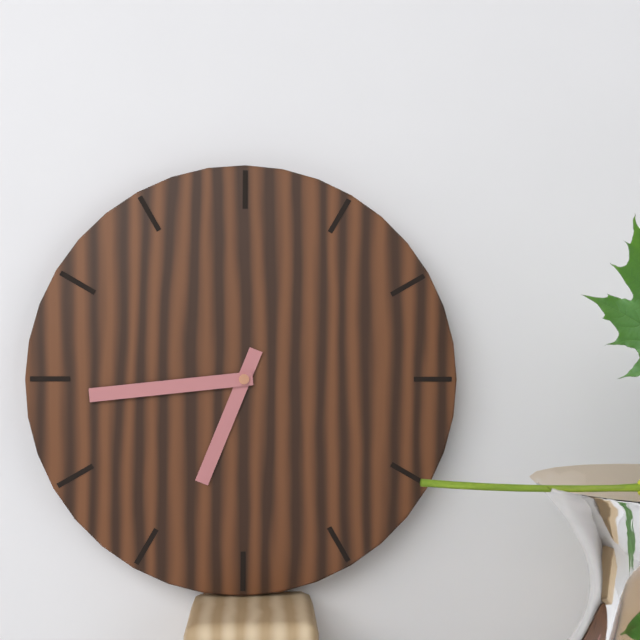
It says 6:44
